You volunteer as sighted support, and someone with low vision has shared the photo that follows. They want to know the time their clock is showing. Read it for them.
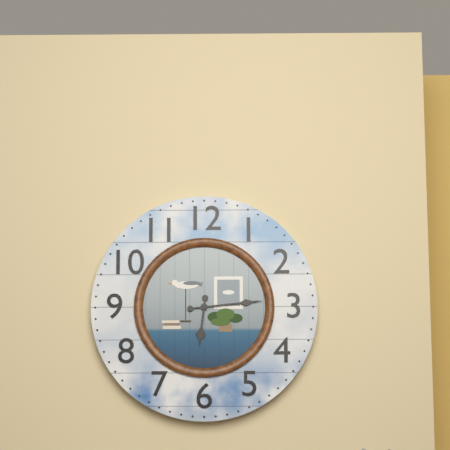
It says 6:14
